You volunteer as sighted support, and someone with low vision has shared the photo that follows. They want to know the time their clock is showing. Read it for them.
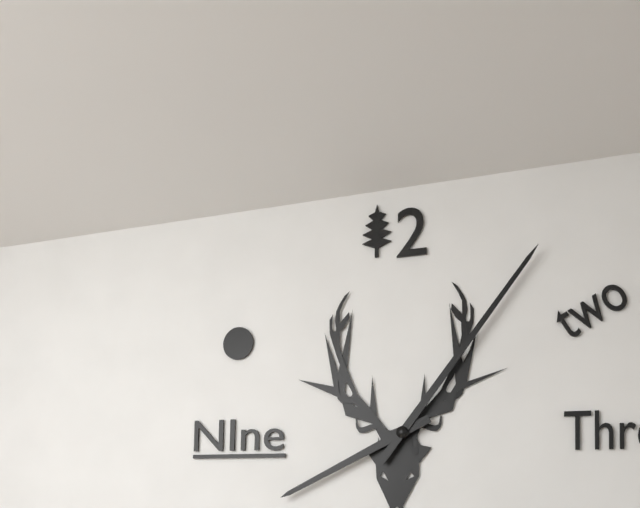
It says 8:06
